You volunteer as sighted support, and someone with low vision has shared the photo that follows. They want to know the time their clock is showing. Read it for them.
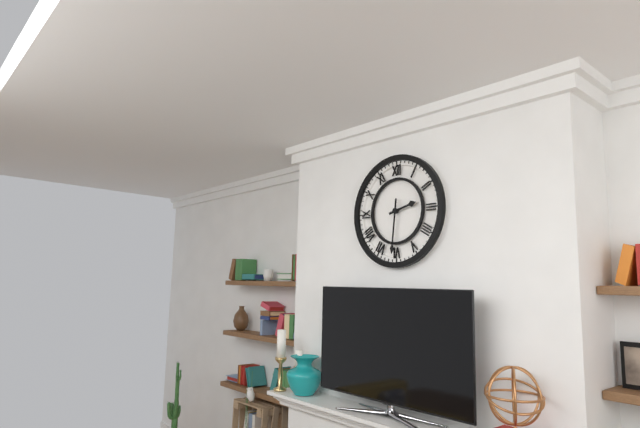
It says 2:31
